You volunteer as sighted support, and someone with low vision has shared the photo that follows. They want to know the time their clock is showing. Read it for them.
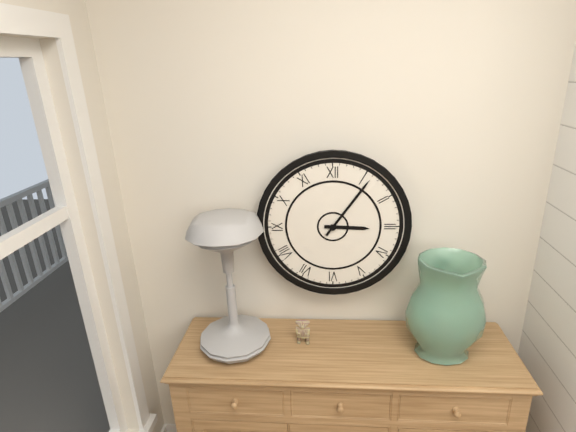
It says 3:06
